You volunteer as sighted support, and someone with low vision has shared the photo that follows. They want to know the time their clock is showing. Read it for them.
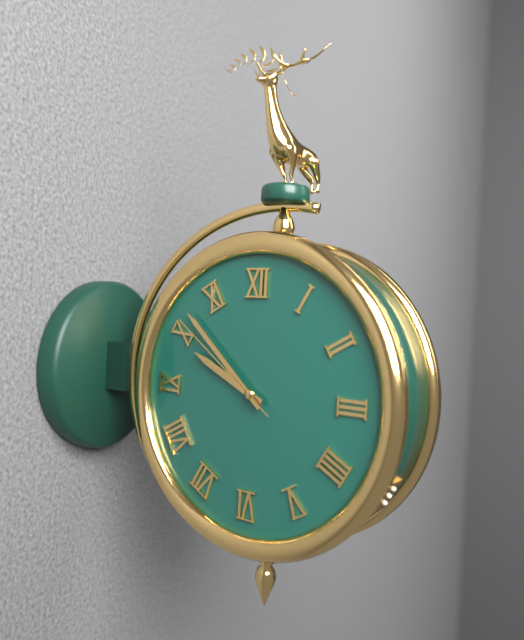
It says 9:52:51
